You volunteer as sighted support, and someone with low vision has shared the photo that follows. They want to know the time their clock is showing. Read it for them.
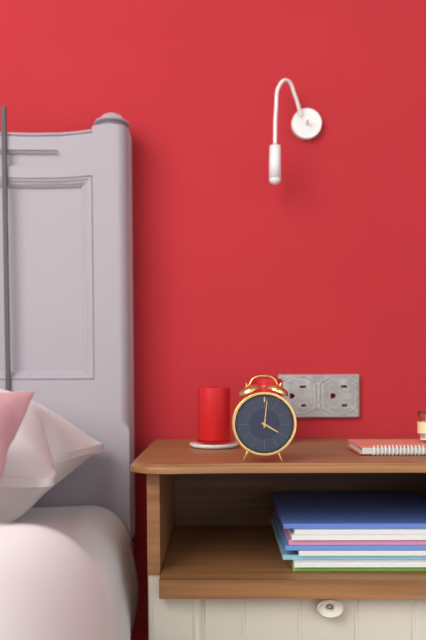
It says 4:01
